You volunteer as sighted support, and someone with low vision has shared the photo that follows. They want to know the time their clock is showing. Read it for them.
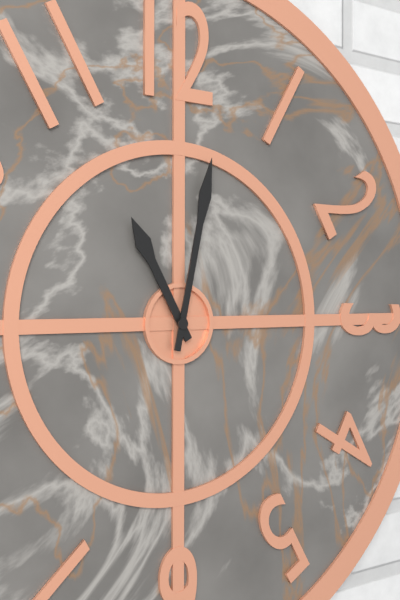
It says 11:02
